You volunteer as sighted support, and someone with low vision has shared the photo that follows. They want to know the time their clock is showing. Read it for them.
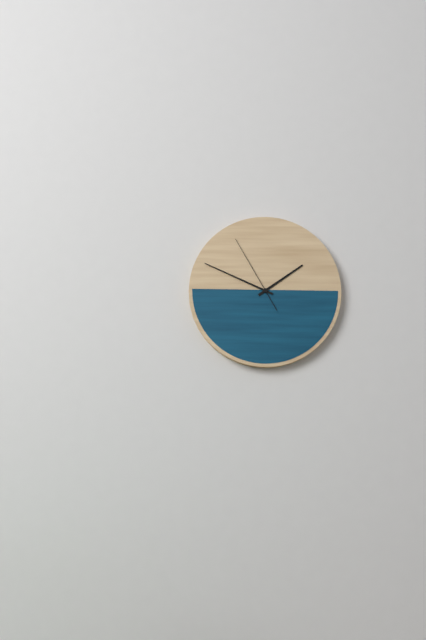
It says 1:49:55
